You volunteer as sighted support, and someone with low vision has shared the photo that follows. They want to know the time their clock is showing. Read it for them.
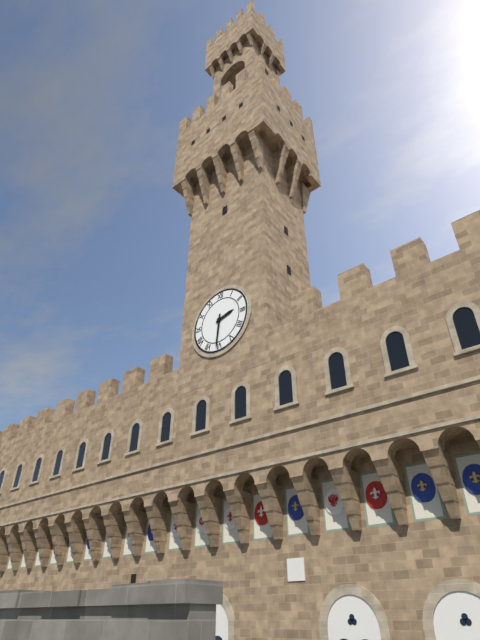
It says 2:31
